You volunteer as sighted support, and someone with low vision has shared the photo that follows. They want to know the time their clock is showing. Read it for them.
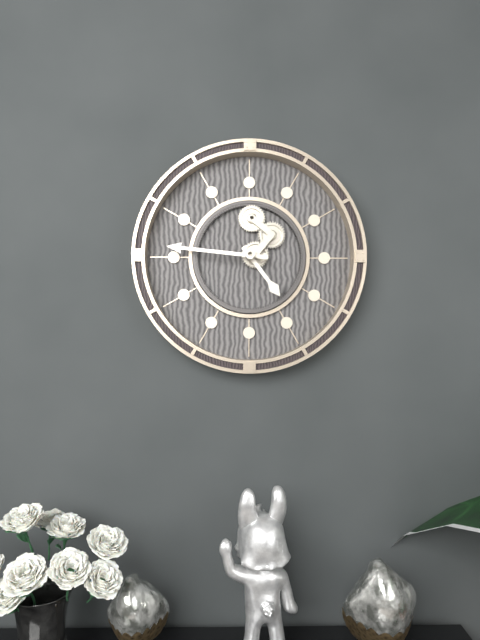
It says 4:46
